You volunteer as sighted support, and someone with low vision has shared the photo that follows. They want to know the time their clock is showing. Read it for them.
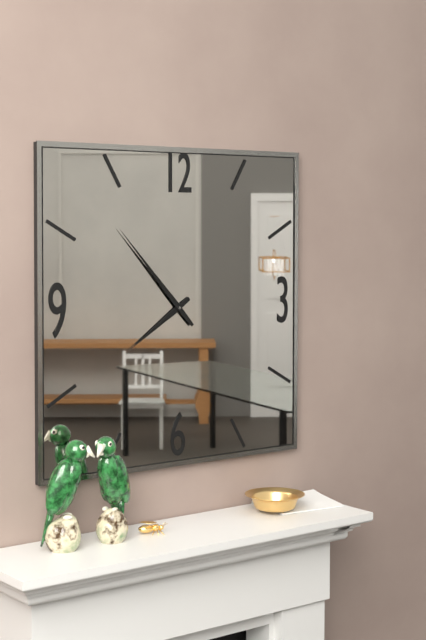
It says 7:53
